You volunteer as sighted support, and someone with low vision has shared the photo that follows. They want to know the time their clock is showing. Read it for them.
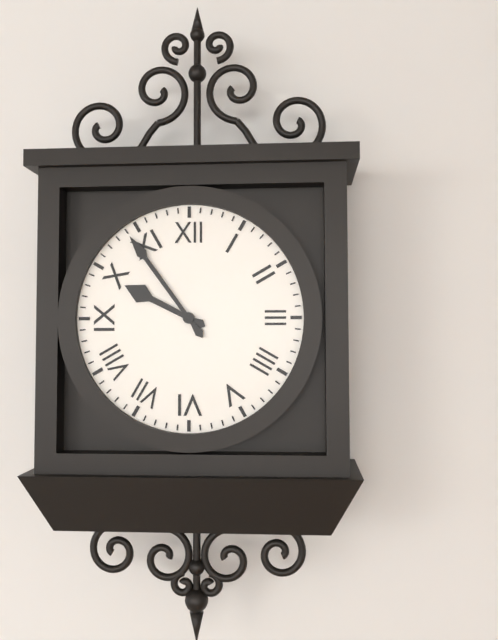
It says 9:54
